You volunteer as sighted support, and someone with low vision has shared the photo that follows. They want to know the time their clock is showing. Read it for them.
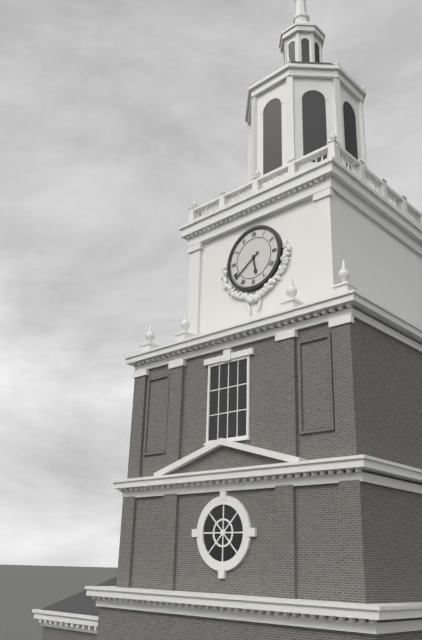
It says 5:39
